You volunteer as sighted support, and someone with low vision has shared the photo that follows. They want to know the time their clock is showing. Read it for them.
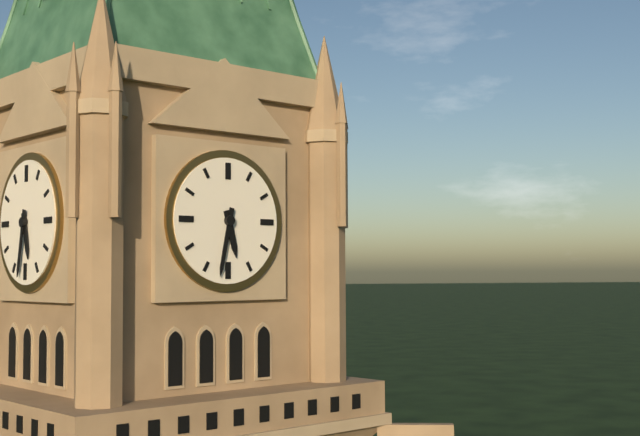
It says 5:32
